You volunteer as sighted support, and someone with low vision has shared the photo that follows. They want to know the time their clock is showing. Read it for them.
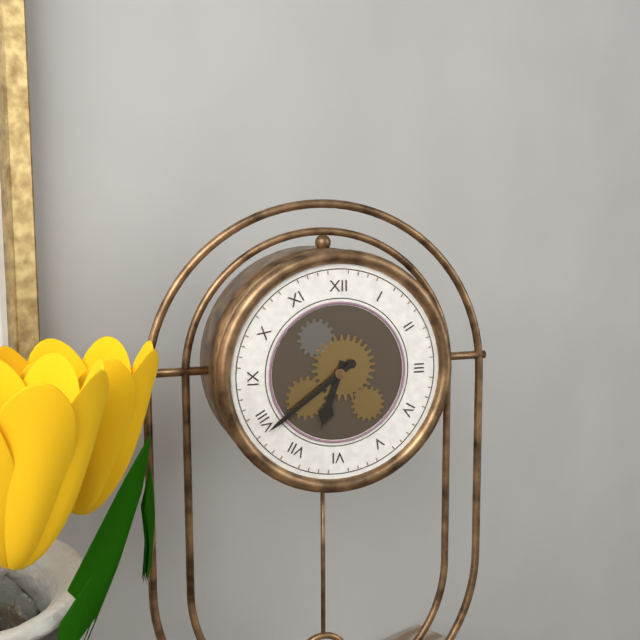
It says 6:39
